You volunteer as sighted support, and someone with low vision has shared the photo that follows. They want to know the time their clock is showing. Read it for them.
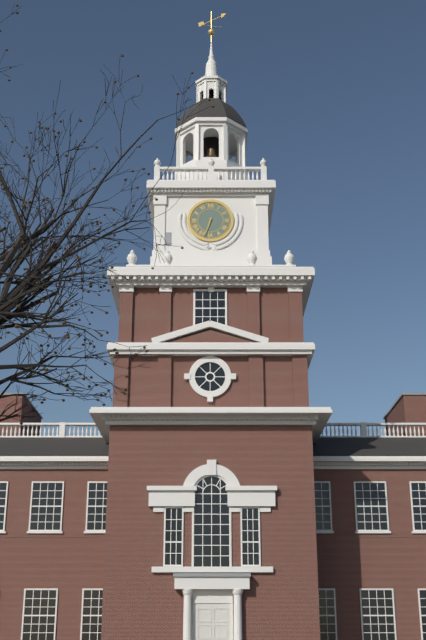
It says 6:33
